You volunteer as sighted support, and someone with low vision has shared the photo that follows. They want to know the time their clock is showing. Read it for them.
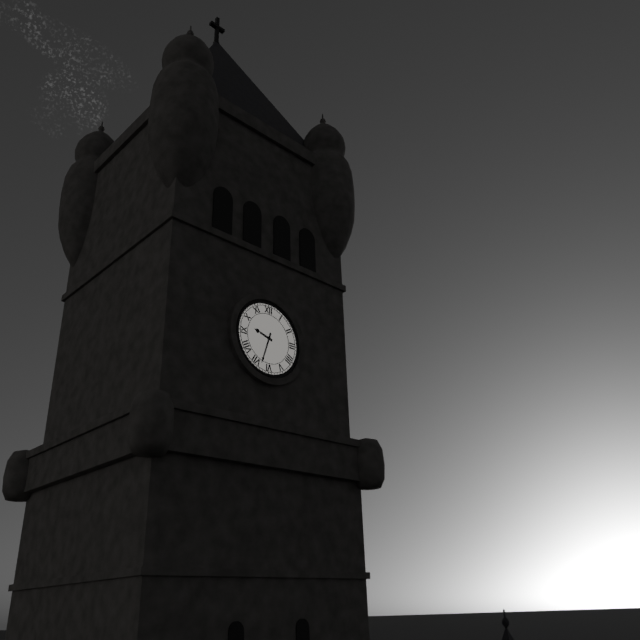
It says 9:33
